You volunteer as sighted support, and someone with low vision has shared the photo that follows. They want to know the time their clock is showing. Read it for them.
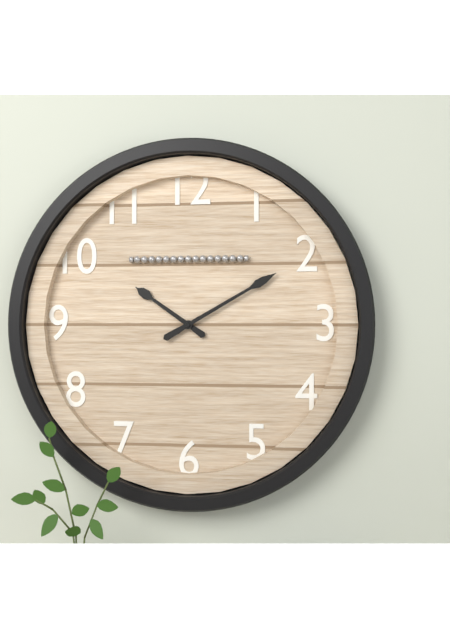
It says 10:10
